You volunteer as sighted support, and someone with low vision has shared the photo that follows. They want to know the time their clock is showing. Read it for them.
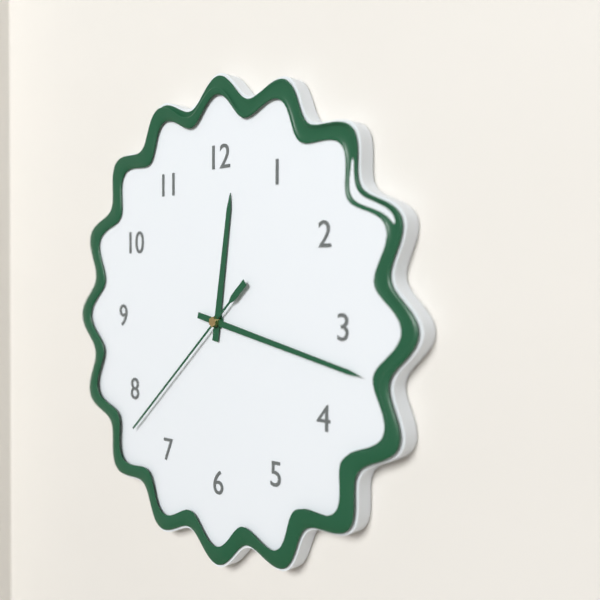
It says 12:17:38
